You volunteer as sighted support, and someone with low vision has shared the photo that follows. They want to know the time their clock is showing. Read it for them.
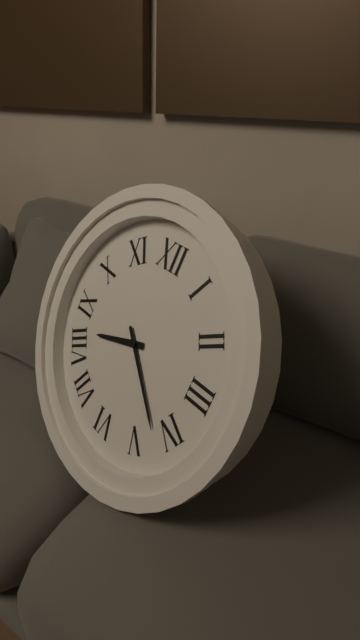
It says 8:22
